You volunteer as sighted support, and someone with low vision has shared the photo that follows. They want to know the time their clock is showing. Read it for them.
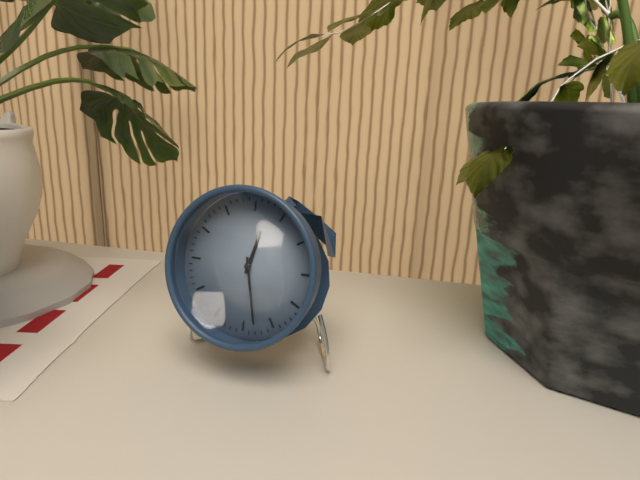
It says 12:28
